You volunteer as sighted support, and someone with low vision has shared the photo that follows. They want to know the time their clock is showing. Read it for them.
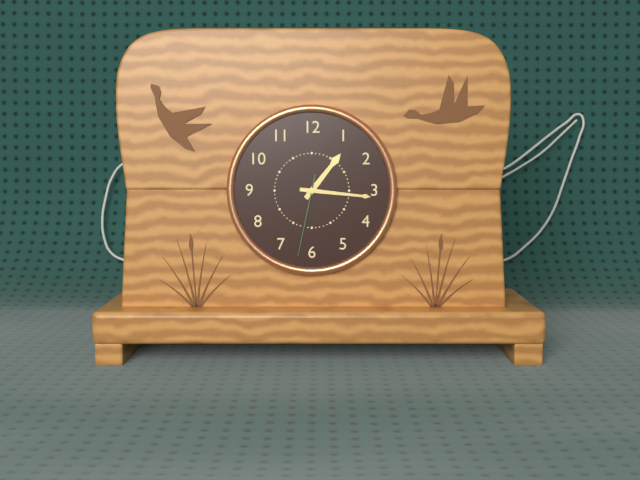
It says 1:16:32
